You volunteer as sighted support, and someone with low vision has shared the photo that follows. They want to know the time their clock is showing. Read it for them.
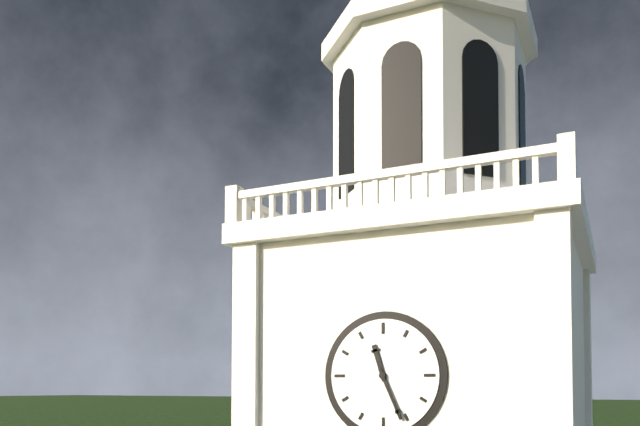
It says 11:26
